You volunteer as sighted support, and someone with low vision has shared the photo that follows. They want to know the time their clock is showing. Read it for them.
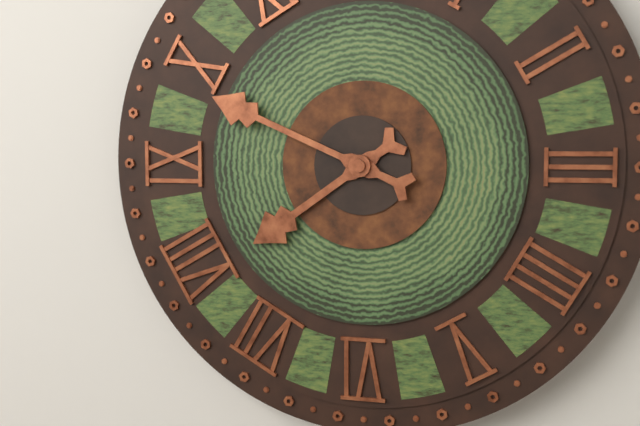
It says 7:49
